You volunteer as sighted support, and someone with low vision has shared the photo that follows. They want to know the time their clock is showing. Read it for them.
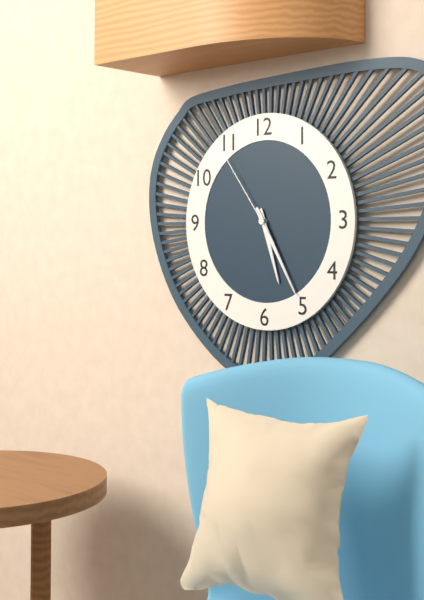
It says 5:25:54
